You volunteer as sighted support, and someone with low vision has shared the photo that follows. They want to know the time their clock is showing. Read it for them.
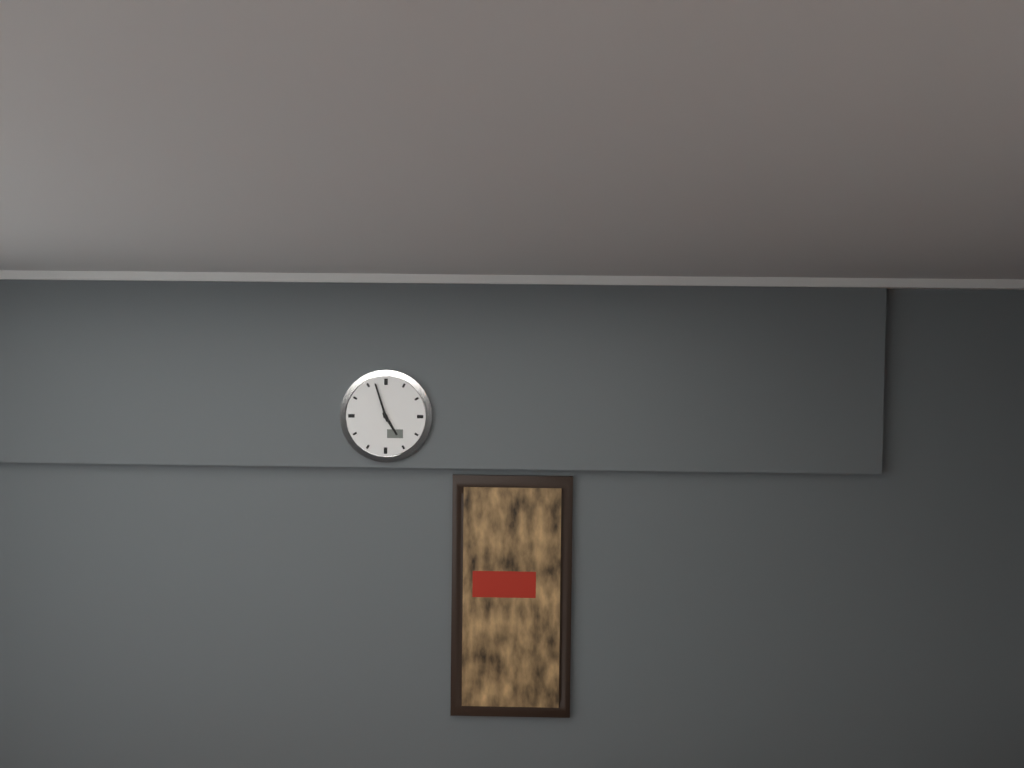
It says 4:57
